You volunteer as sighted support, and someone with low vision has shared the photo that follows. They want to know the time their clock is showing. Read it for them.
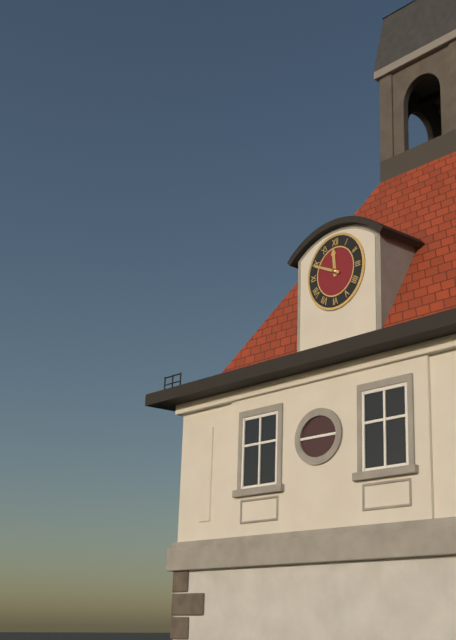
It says 11:49
